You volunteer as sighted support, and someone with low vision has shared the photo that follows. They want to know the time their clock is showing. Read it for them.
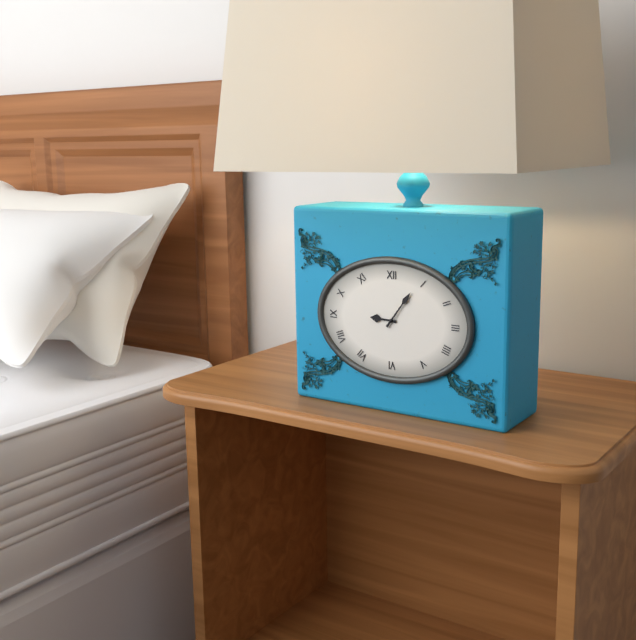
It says 9:06
